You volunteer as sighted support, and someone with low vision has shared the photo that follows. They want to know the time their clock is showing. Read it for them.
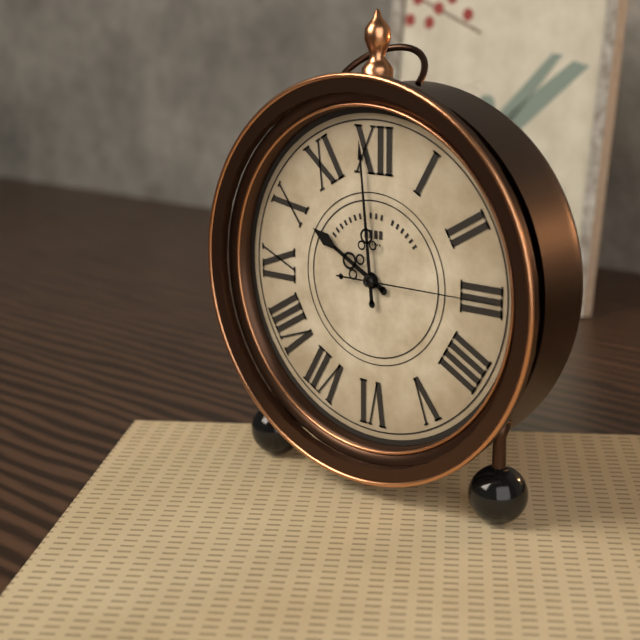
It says 9:59:15
